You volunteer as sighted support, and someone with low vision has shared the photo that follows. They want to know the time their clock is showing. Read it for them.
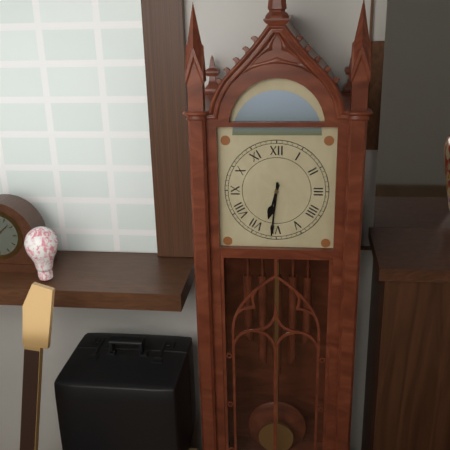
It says 6:31
